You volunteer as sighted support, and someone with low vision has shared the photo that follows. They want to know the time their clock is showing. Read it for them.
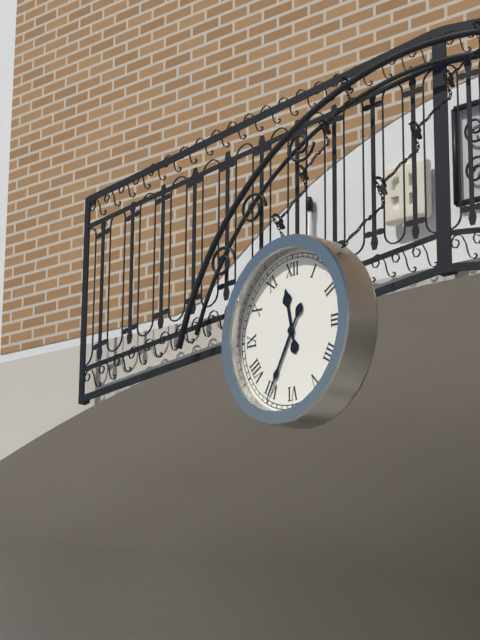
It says 11:35
